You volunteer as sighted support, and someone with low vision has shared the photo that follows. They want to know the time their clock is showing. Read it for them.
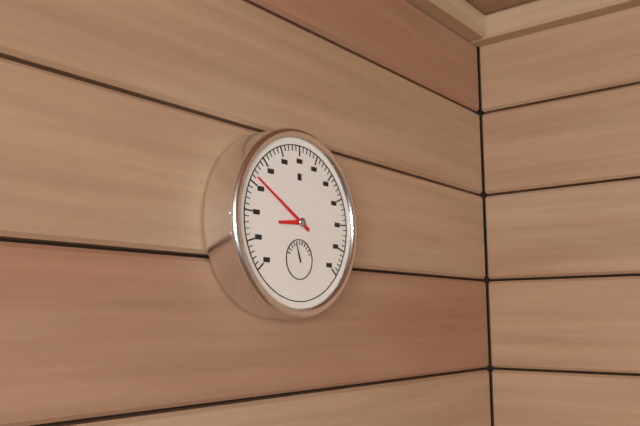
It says 8:50
